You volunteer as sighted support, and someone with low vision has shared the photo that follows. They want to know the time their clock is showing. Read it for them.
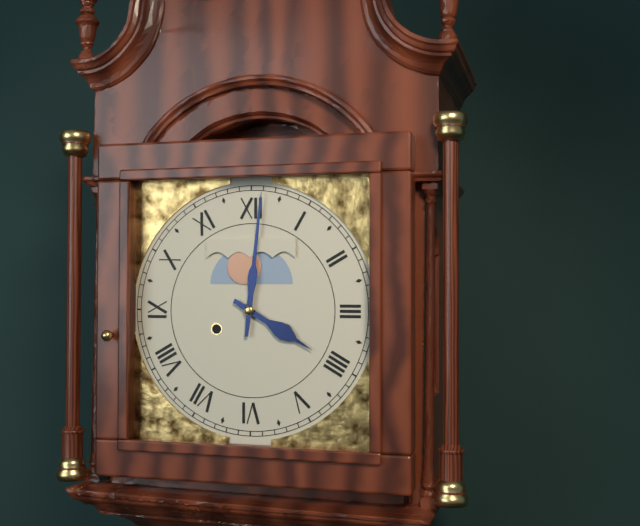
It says 4:01
